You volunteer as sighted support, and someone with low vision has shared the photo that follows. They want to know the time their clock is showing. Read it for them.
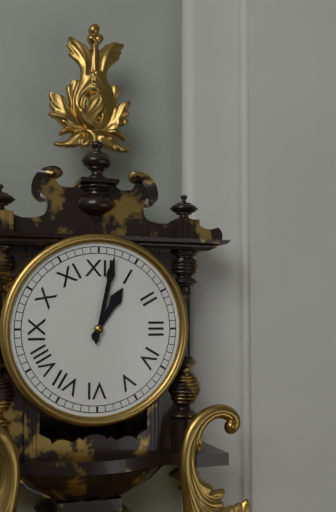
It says 1:02
